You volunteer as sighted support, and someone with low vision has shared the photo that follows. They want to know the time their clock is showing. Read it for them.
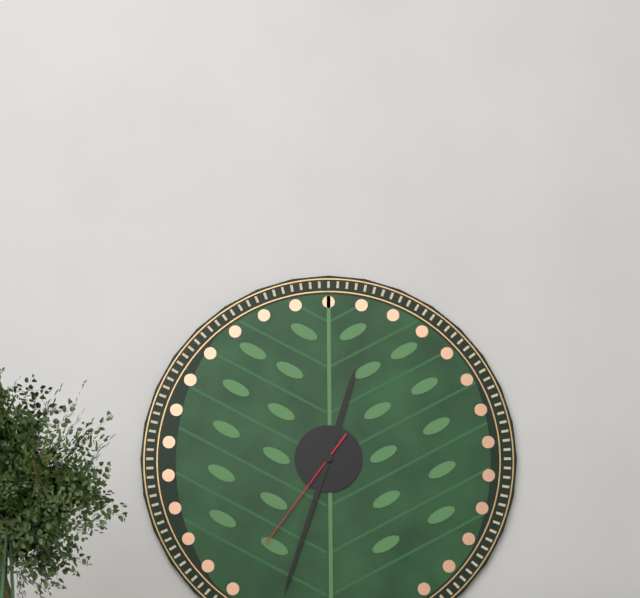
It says 12:33:36
